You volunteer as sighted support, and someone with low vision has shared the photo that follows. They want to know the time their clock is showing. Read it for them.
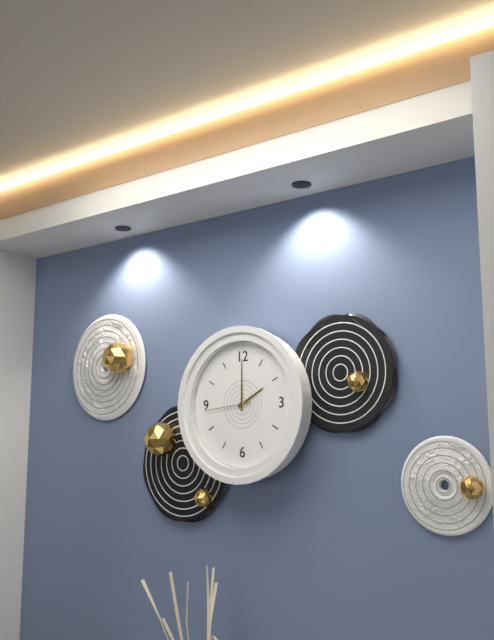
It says 2:00
